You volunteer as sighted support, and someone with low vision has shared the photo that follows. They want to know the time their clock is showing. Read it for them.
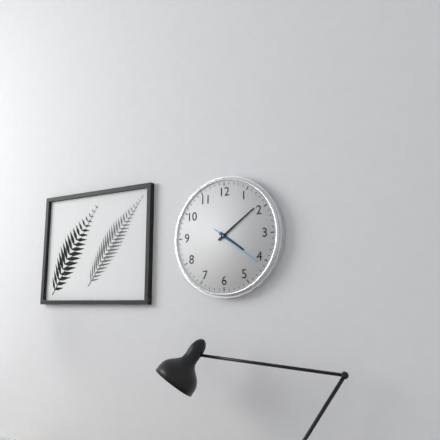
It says 4:09:21
